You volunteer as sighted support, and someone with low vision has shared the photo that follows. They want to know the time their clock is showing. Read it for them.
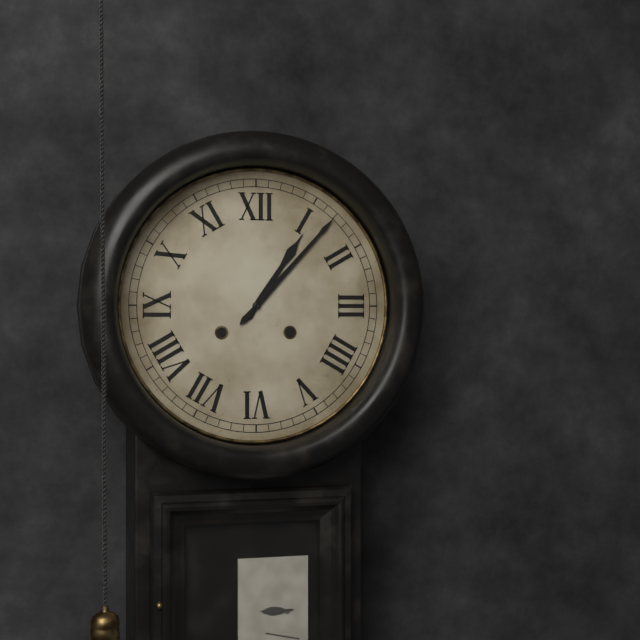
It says 1:07
